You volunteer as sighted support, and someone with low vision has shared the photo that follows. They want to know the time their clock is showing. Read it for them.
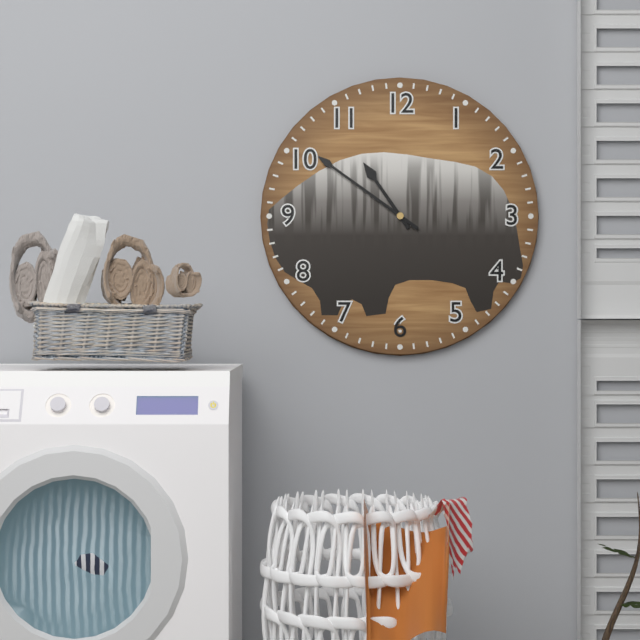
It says 10:51
